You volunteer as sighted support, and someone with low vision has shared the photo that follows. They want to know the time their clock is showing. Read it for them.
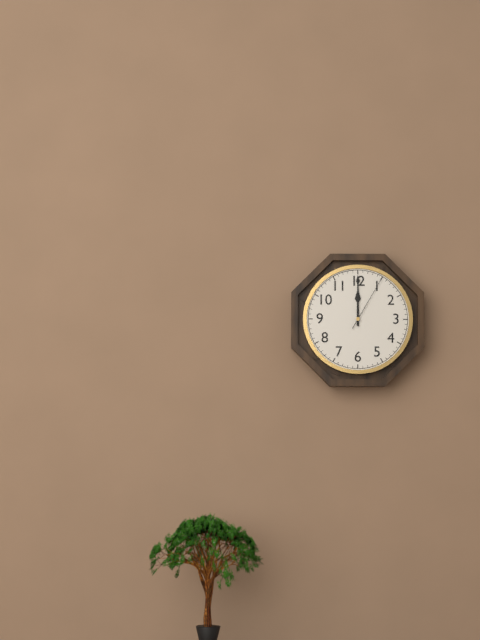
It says 12:00:05
